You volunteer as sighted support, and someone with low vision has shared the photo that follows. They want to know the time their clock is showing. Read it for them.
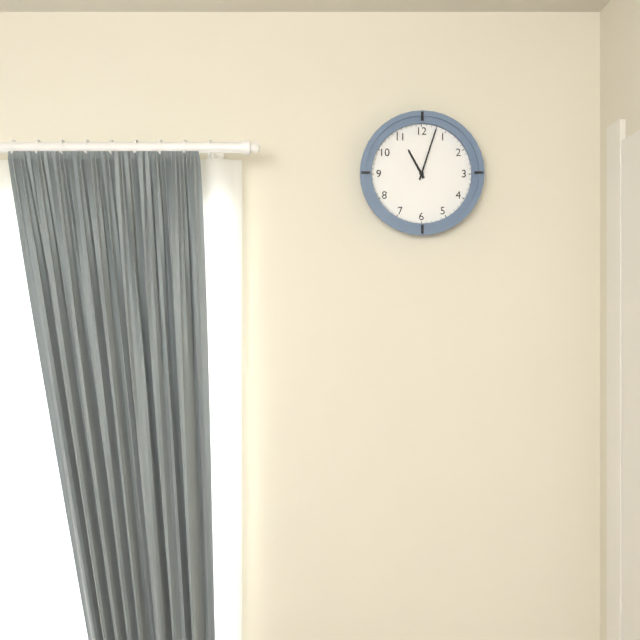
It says 11:03
